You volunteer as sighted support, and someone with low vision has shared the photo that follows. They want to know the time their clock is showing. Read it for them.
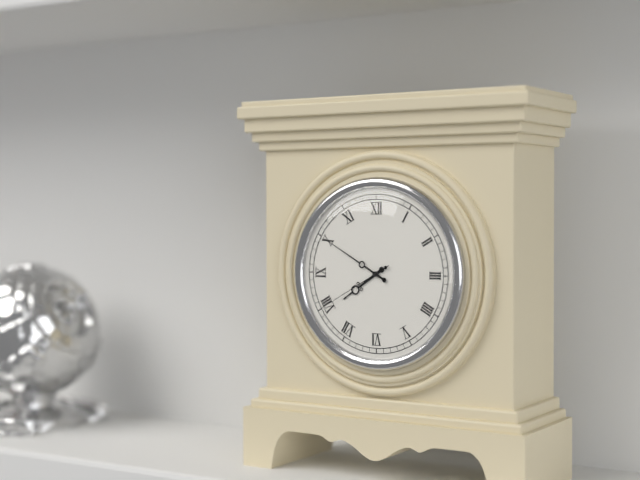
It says 7:50:40
